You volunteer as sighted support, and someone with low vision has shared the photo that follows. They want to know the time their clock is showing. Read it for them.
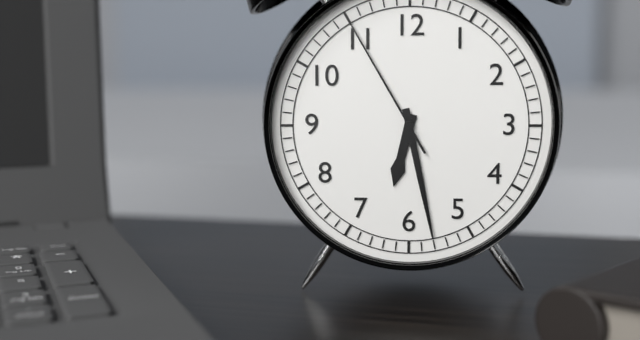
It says 6:28:55
